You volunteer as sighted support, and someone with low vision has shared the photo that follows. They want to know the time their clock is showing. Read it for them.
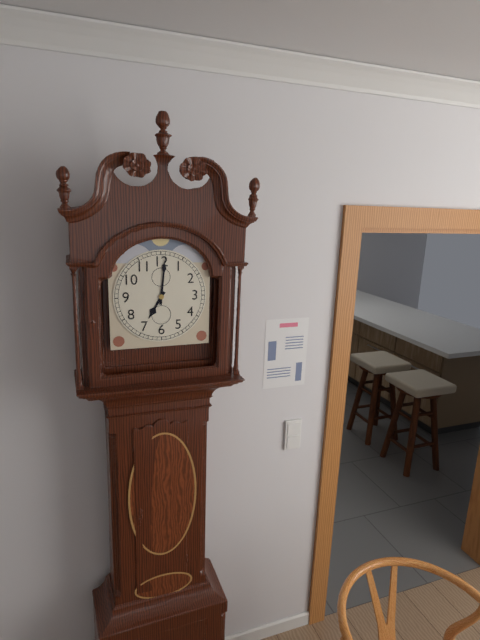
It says 7:01
